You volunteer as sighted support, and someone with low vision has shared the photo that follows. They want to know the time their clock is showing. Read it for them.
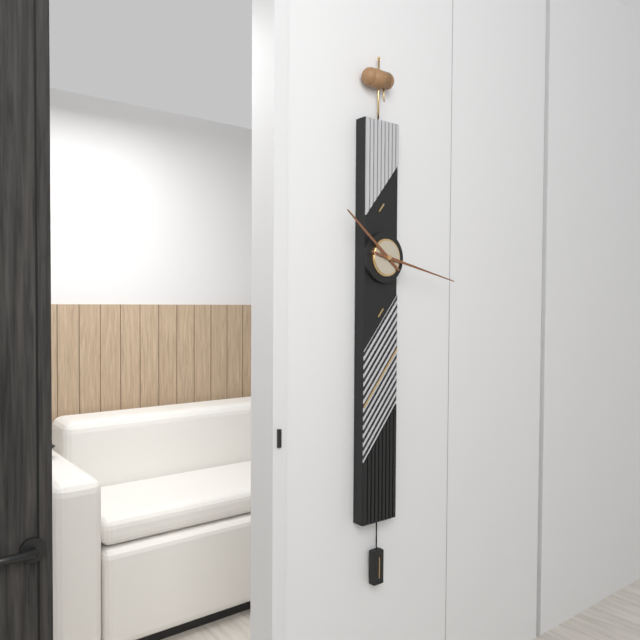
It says 10:17
